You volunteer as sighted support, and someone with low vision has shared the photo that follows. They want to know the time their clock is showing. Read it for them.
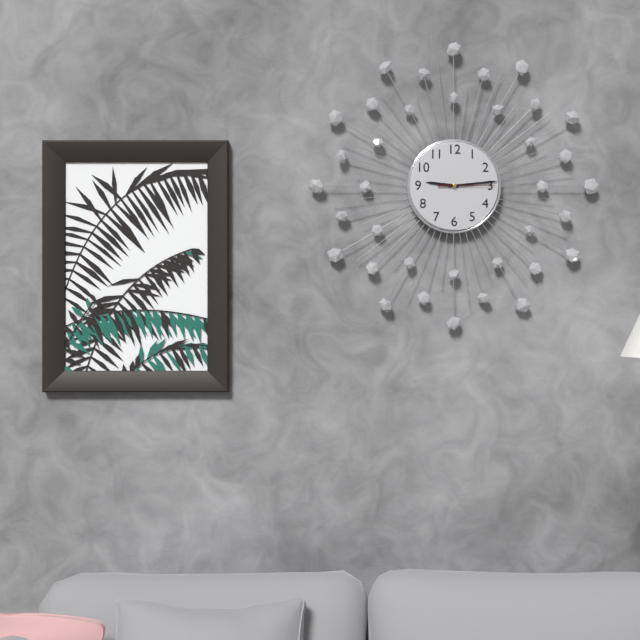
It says 9:14:15
